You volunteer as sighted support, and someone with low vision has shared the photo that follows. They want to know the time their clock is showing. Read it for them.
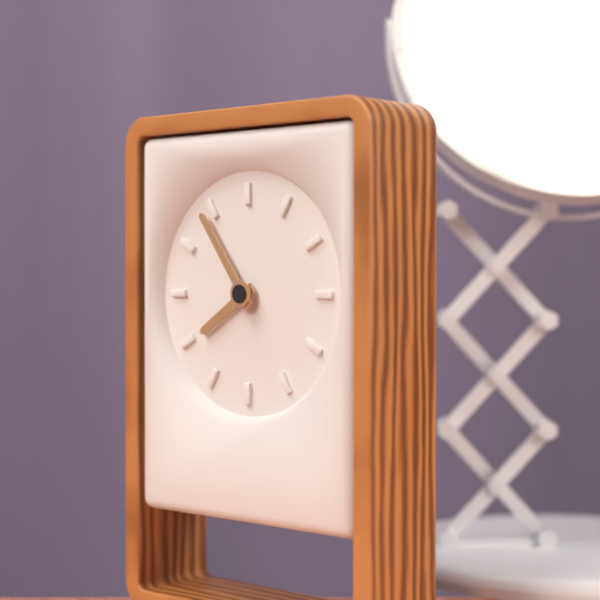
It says 7:54
